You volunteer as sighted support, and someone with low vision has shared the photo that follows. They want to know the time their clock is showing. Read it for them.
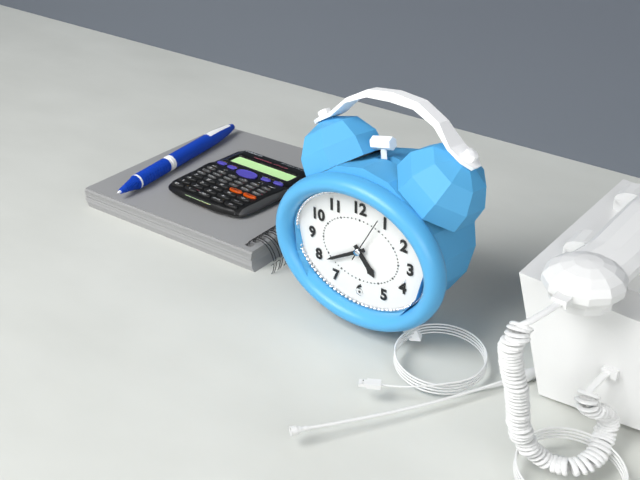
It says 4:40
